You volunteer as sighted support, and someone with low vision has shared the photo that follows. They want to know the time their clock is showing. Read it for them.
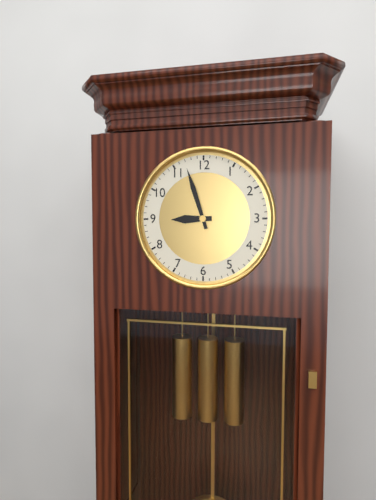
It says 8:57
